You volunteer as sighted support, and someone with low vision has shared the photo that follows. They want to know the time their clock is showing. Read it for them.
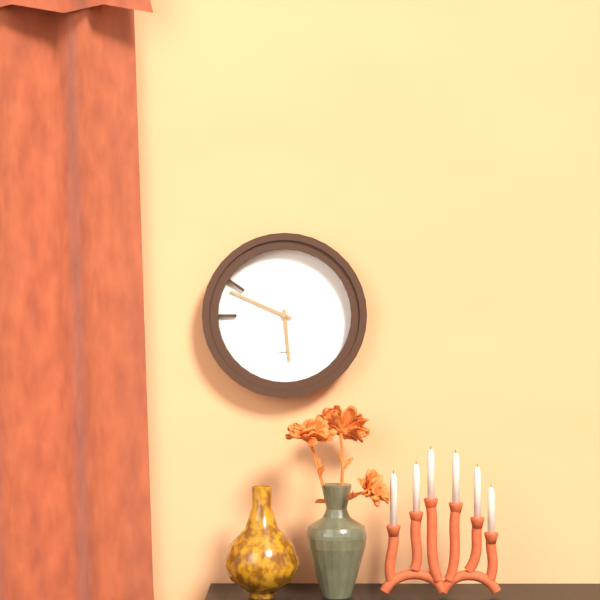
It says 5:49
